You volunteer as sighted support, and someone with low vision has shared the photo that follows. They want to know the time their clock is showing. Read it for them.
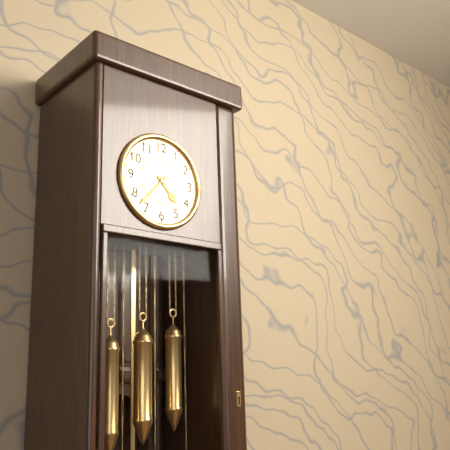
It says 4:37
